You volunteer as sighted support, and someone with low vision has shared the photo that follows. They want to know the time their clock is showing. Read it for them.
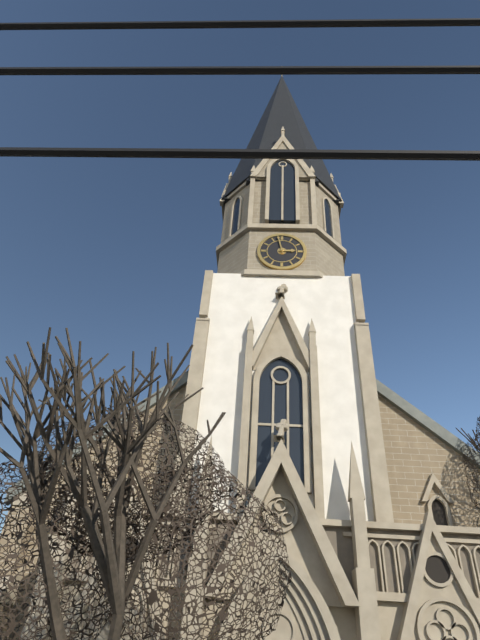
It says 2:58
